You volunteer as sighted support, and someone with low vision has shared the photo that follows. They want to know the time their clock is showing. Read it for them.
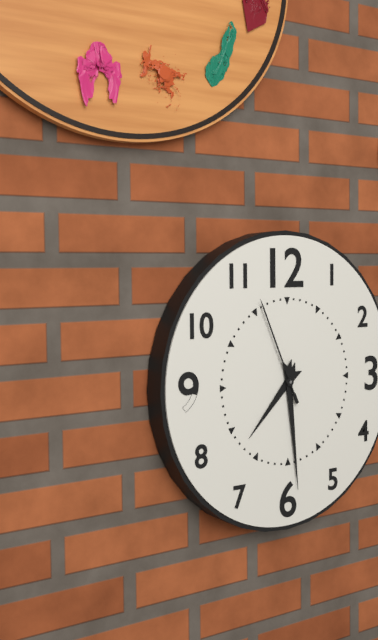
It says 7:29:56
